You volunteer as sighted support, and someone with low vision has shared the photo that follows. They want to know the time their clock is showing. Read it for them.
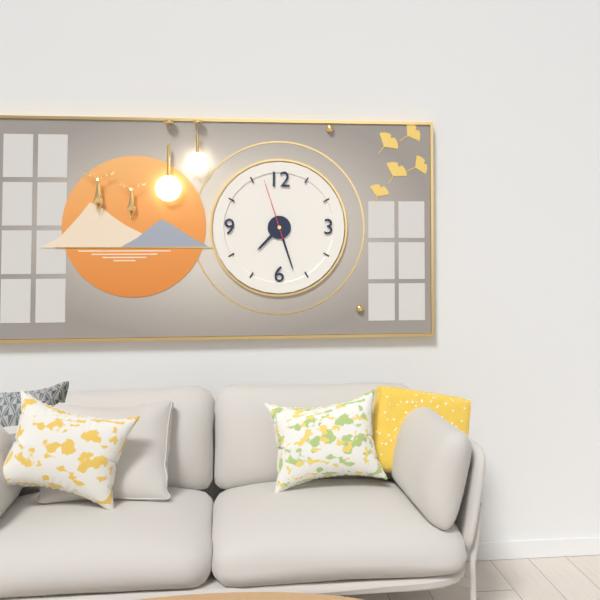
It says 7:27:57
